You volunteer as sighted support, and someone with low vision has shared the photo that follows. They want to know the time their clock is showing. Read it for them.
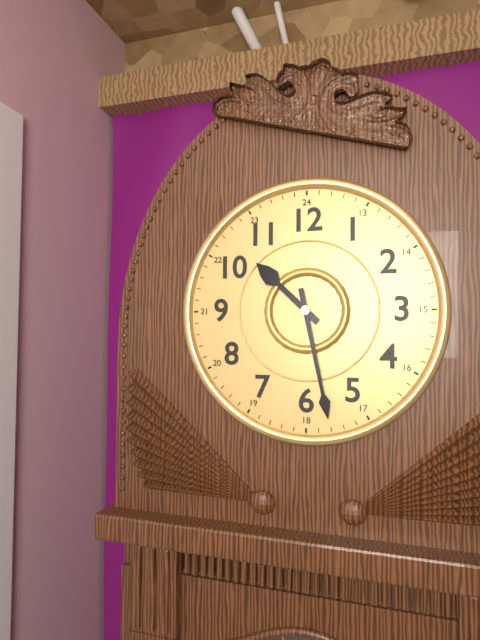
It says 10:28
